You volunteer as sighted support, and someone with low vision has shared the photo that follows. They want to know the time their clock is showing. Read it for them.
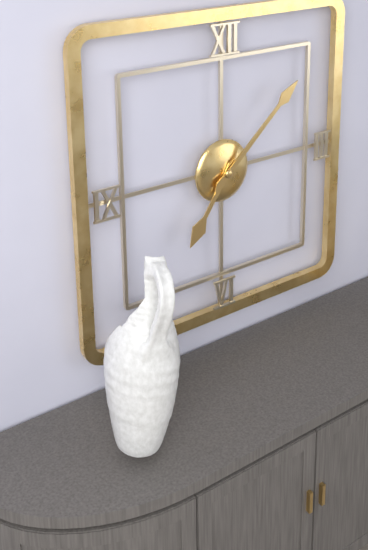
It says 7:08
